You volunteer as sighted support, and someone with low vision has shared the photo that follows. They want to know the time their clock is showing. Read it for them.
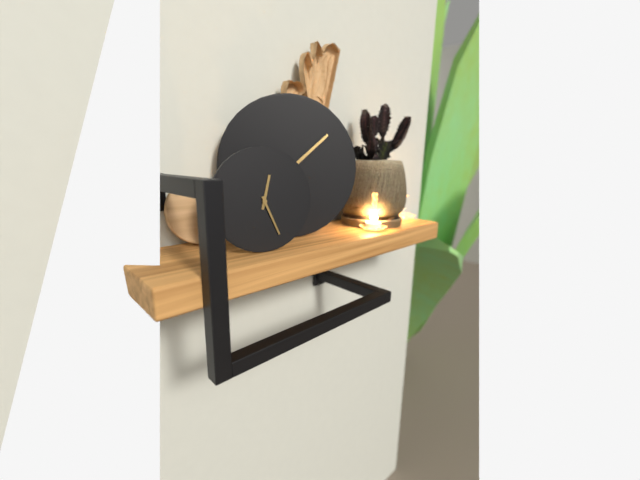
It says 12:26
